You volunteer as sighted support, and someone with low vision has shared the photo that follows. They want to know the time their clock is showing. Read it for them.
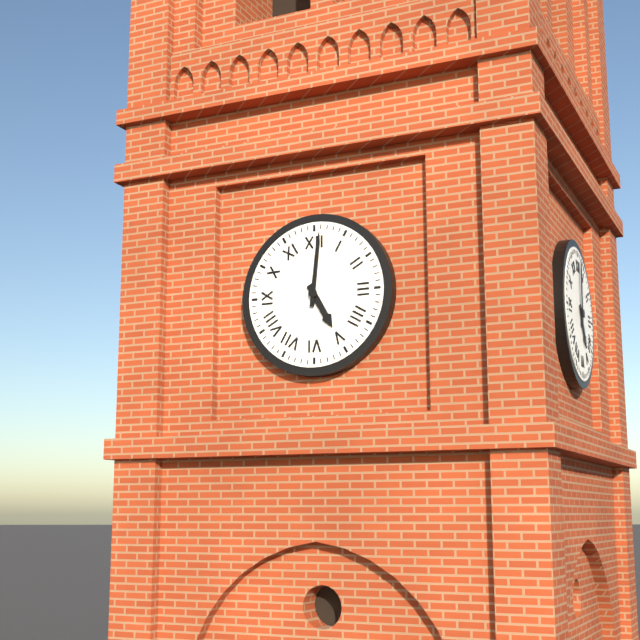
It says 5:01
